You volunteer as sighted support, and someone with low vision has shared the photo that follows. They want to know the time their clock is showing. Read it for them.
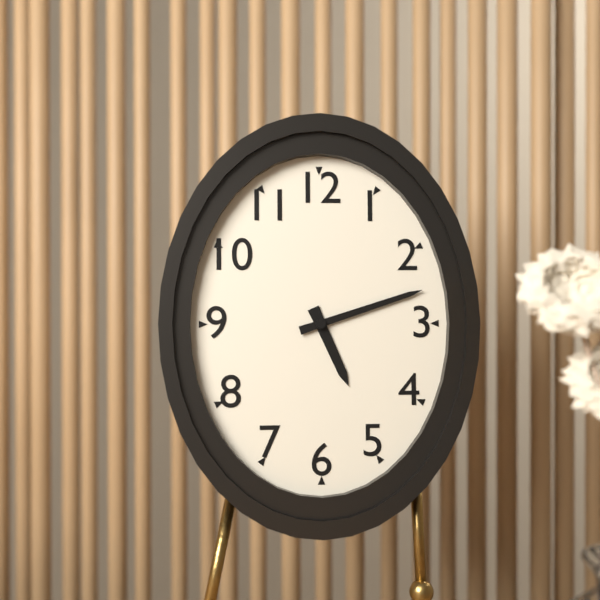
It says 5:12
